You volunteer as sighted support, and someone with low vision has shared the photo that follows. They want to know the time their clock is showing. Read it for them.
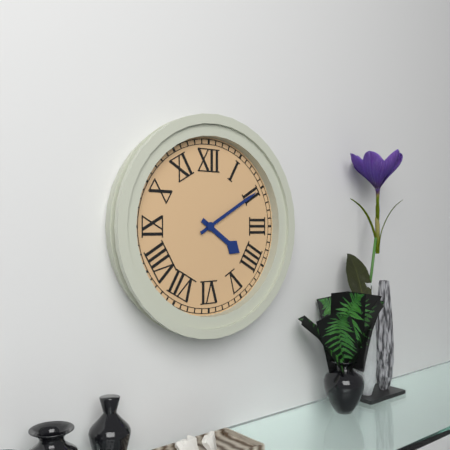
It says 4:10
